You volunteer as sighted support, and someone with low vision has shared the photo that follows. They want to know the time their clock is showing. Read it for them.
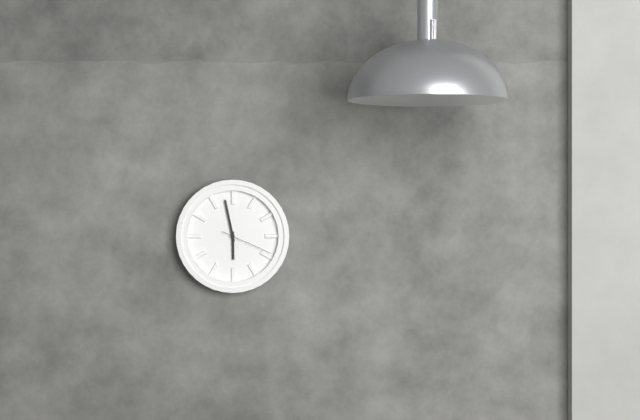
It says 5:58:19
